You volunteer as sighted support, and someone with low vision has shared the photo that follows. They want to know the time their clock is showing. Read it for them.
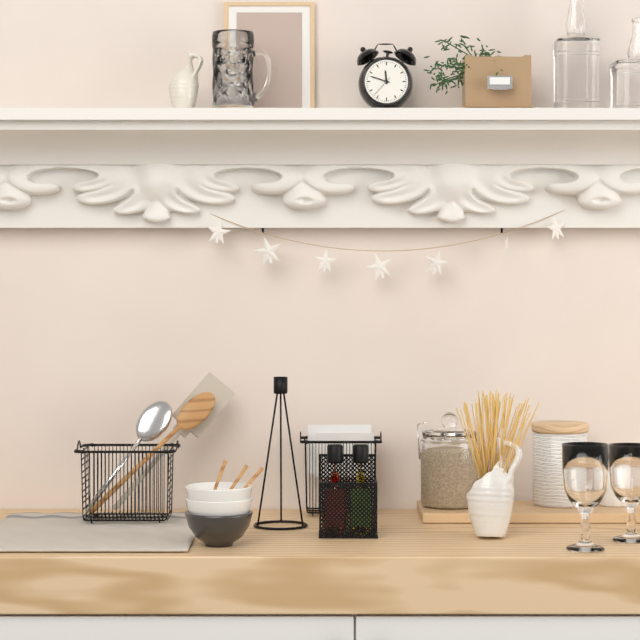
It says 11:48
